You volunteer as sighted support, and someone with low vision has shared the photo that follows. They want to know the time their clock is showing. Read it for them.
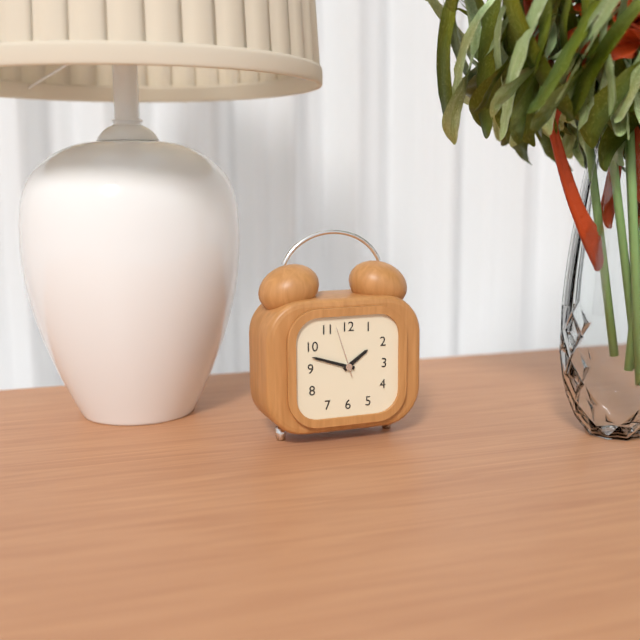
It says 1:48:57
